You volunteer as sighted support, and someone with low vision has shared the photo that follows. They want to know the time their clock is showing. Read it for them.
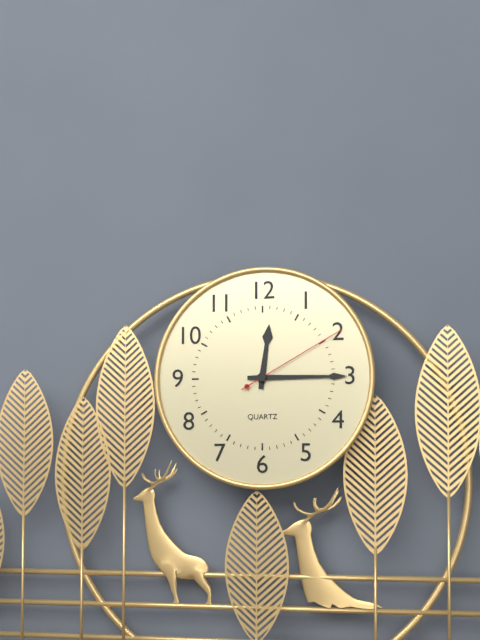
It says 12:15:10
